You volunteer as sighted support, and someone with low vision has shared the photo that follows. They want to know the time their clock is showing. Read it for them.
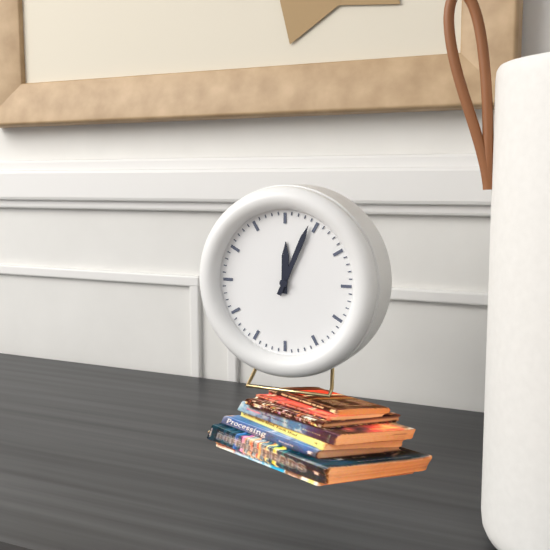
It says 12:04
